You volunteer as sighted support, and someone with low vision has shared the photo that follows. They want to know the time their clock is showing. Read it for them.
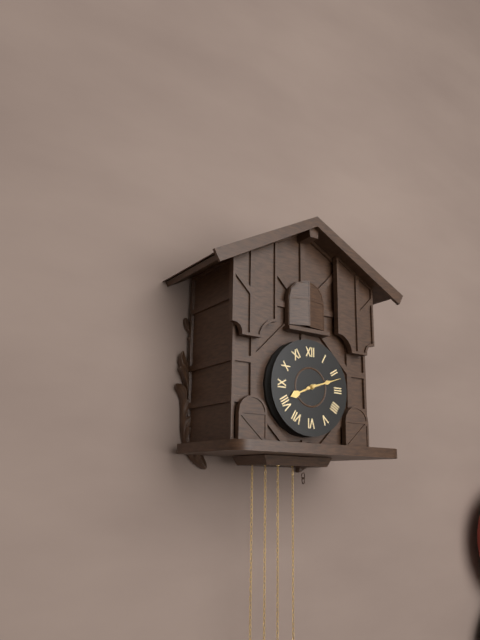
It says 8:12
